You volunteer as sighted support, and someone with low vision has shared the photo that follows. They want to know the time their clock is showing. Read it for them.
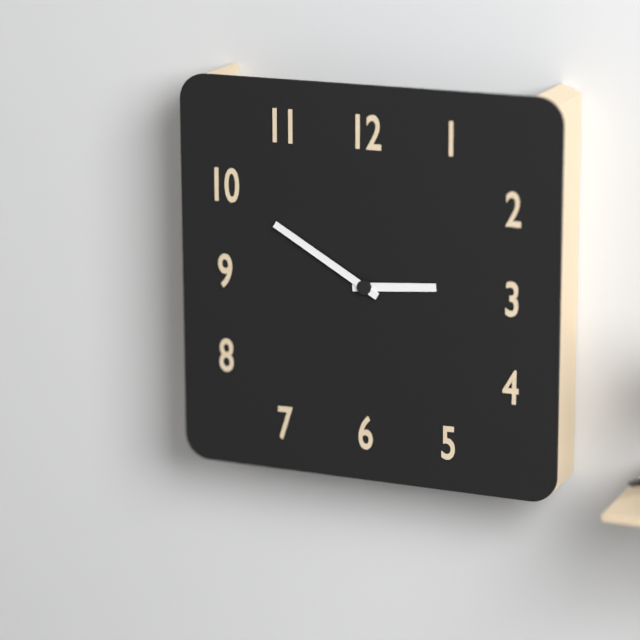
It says 2:50
